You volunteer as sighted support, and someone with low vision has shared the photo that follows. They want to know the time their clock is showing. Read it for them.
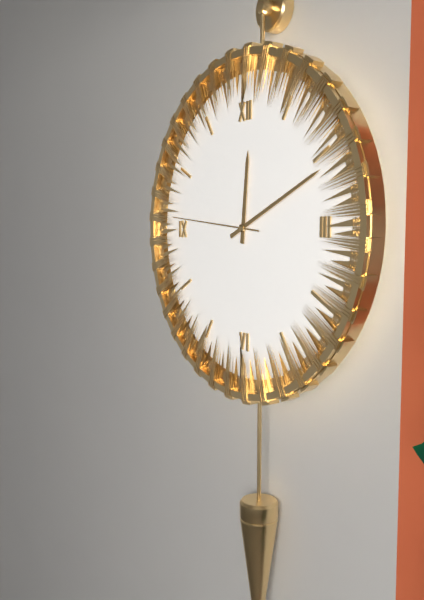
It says 12:11:46
